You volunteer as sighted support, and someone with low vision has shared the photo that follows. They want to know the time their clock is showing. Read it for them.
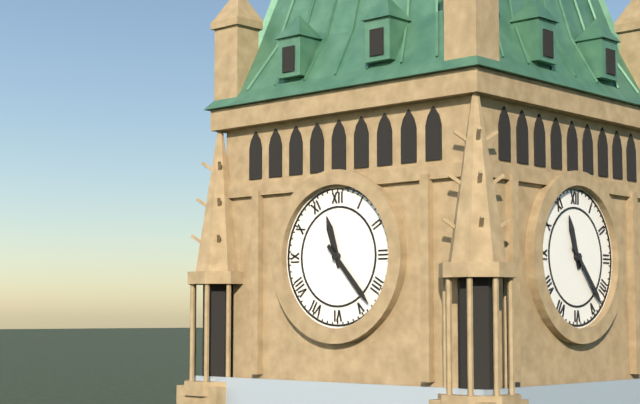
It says 11:23
